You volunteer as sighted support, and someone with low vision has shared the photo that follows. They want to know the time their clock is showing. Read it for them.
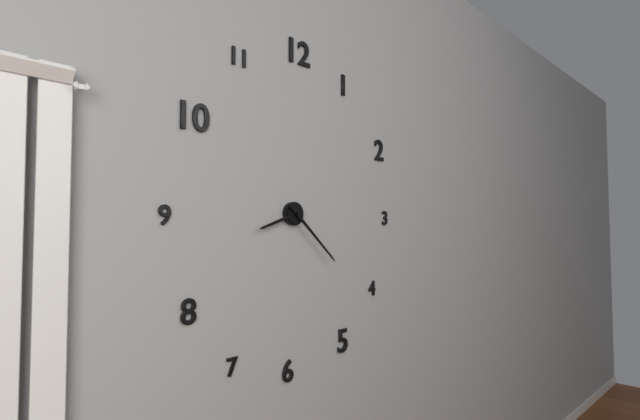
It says 8:22
